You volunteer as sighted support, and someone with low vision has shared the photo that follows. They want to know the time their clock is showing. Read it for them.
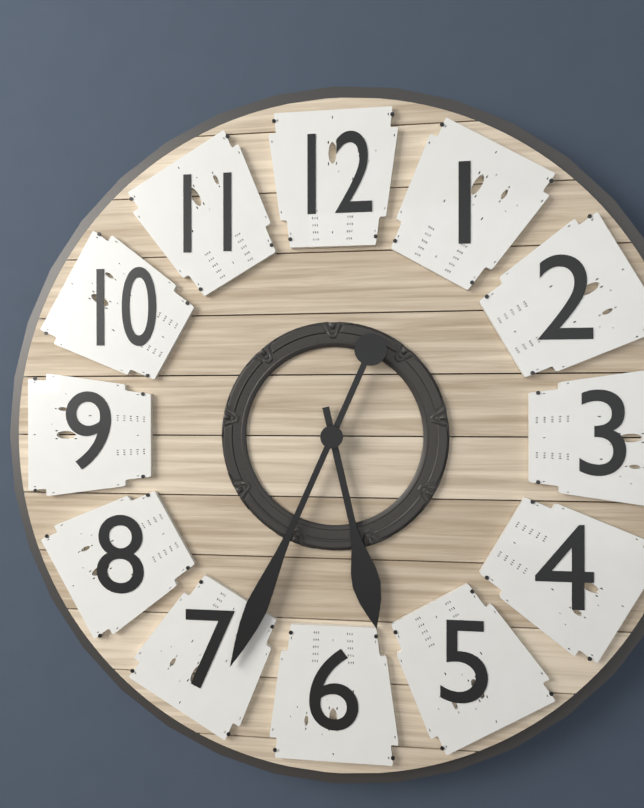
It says 5:34
